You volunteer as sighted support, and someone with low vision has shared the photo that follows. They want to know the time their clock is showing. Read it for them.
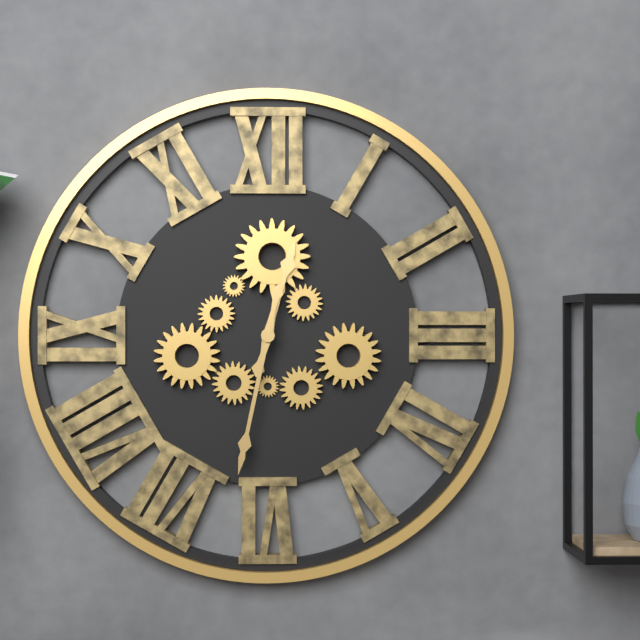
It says 12:32
